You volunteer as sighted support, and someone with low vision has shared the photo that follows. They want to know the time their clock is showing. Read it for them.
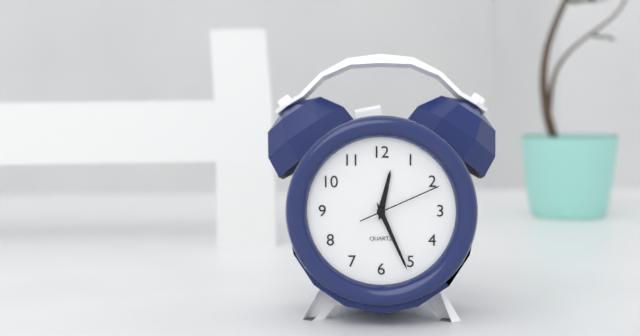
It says 12:26:11
